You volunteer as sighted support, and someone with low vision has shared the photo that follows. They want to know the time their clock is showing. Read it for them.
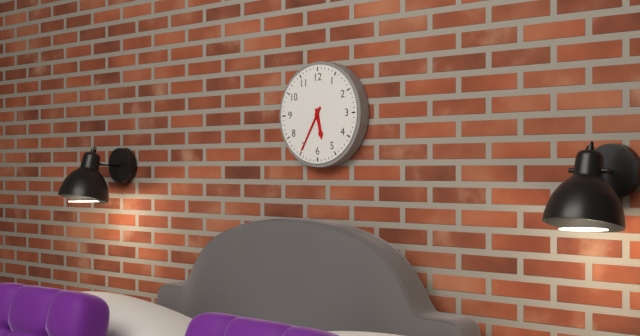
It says 5:35
